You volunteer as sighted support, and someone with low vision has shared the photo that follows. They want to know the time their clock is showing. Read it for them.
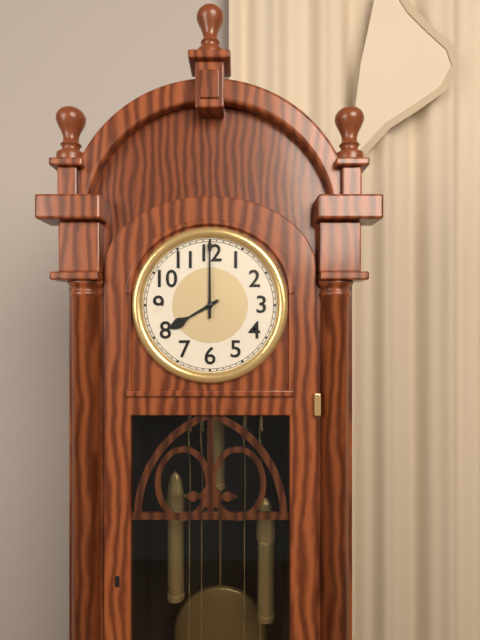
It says 8:00
